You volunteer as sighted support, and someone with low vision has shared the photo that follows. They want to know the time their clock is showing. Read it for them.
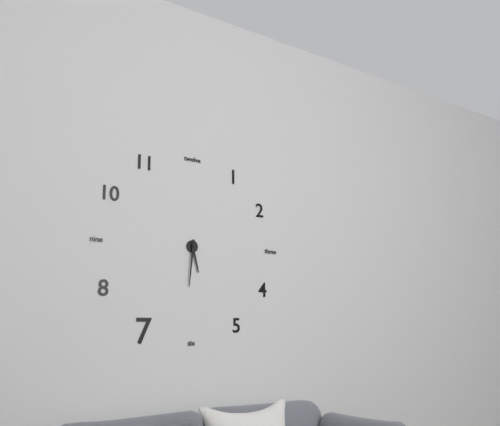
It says 5:31
